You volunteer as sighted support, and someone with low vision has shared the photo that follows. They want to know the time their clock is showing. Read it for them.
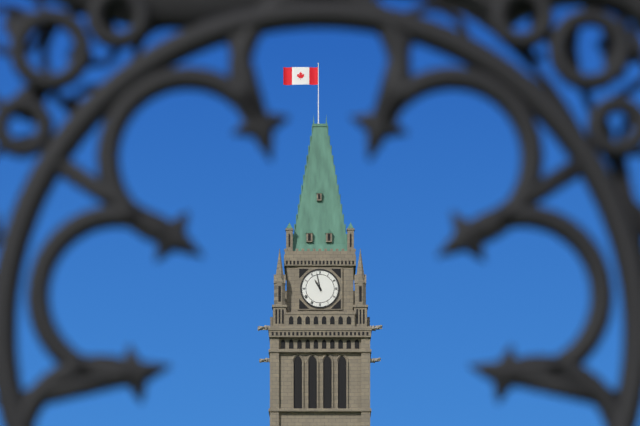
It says 10:58
